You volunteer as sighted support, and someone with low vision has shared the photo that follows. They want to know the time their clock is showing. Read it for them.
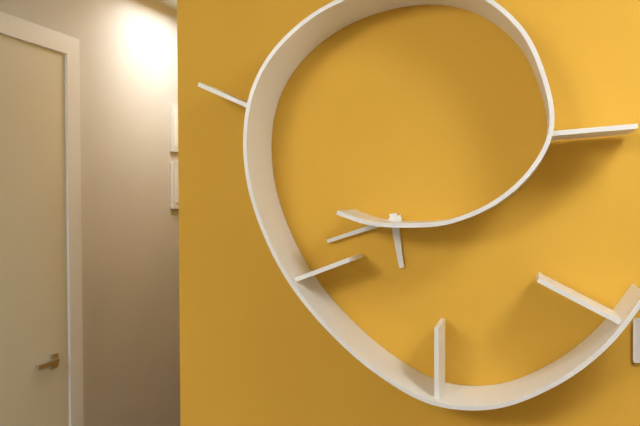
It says 5:42
